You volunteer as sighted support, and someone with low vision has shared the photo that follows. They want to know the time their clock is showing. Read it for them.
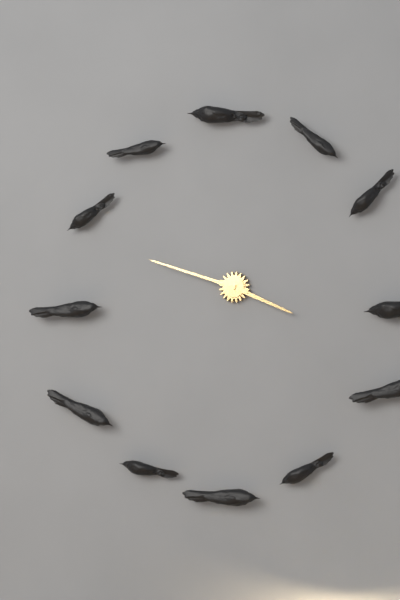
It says 3:48
